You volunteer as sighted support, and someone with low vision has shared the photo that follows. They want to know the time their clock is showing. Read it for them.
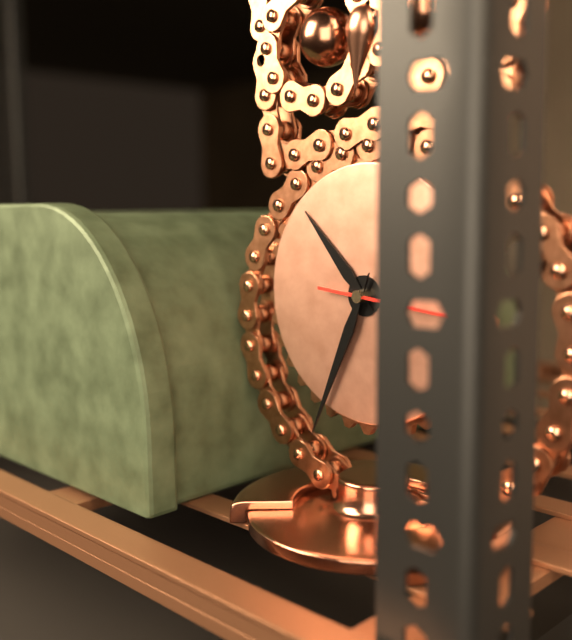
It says 10:34
